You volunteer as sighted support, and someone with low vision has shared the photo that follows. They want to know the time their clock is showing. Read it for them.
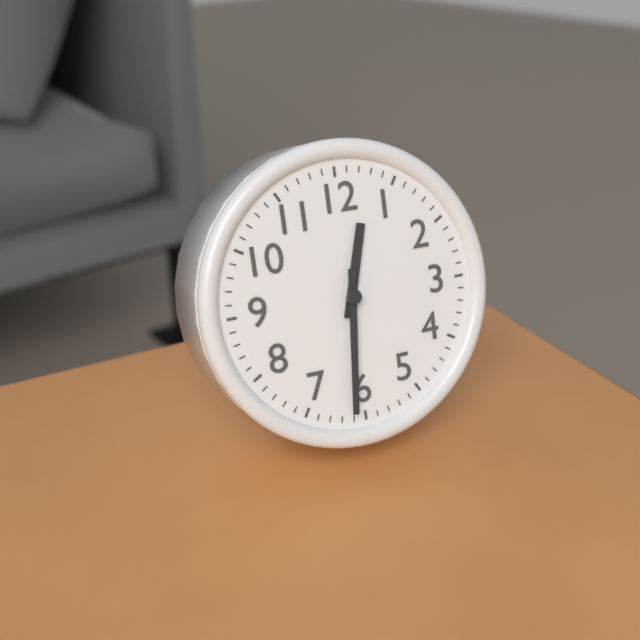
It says 12:31
